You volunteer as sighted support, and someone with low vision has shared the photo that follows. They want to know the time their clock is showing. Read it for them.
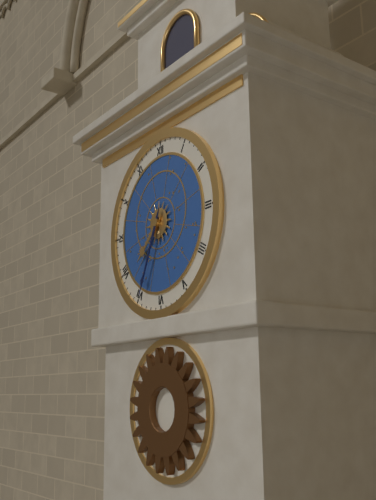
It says 7:34
